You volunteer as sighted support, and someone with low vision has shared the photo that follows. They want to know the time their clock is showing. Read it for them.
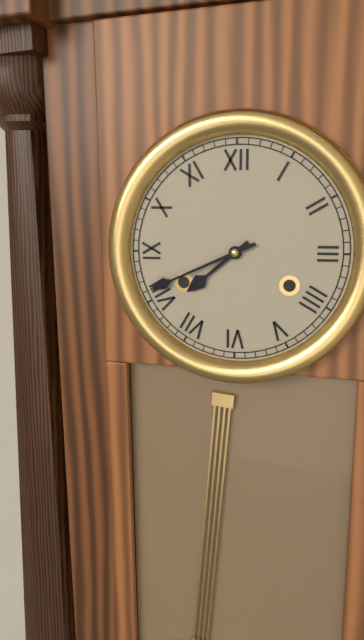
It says 7:41
